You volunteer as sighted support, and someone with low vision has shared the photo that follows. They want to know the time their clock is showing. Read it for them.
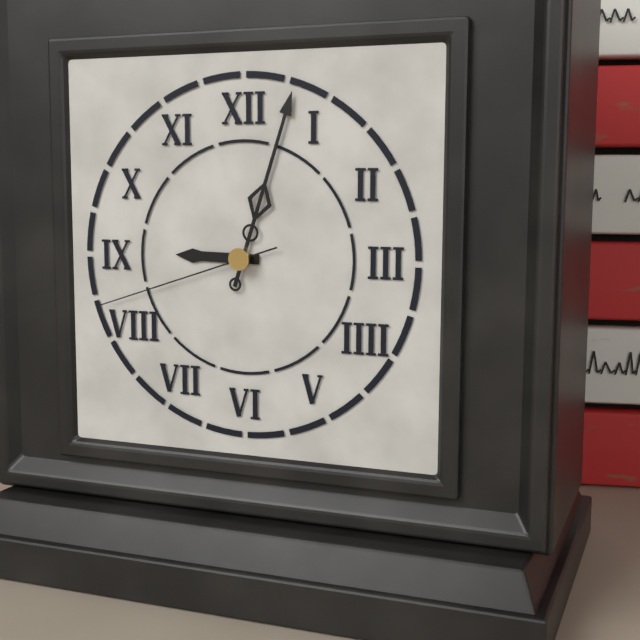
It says 9:03:42
